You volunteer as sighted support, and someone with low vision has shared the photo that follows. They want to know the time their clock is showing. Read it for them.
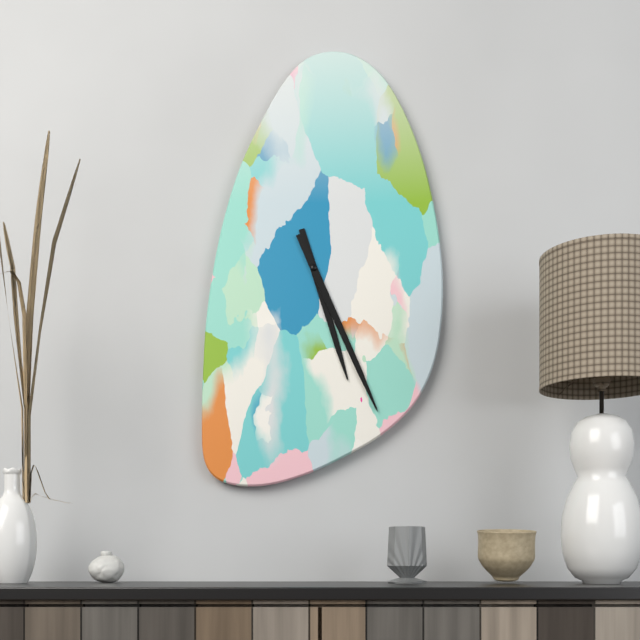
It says 5:26
